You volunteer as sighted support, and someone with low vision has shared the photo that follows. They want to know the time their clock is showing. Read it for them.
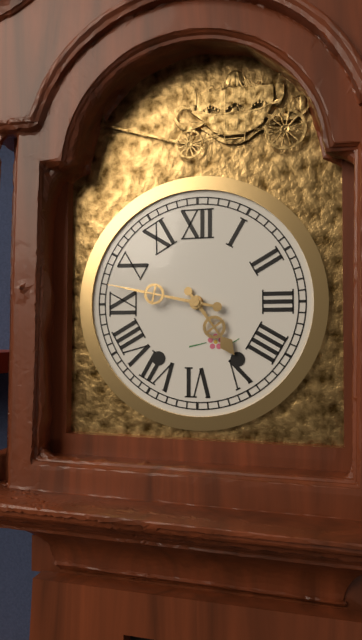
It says 4:47
